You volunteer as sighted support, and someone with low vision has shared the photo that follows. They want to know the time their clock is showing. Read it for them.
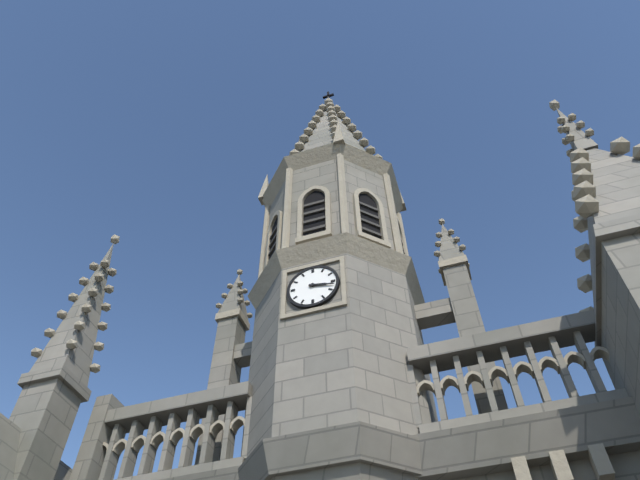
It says 3:17
